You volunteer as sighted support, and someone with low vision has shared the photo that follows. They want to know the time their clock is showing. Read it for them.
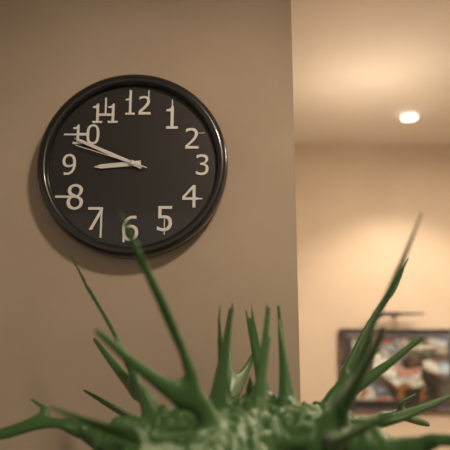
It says 8:49:48
